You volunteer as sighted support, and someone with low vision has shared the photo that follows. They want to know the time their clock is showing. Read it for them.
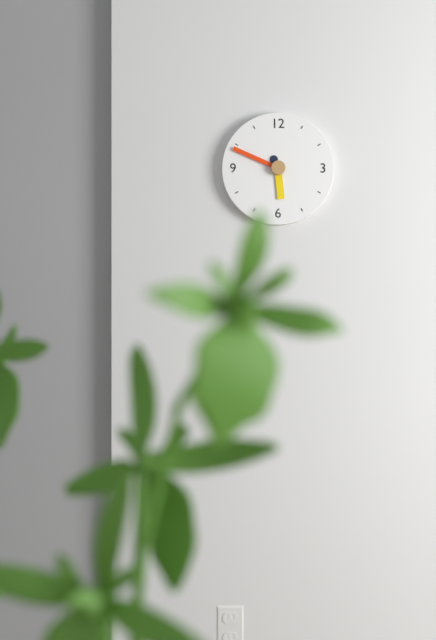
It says 5:49
